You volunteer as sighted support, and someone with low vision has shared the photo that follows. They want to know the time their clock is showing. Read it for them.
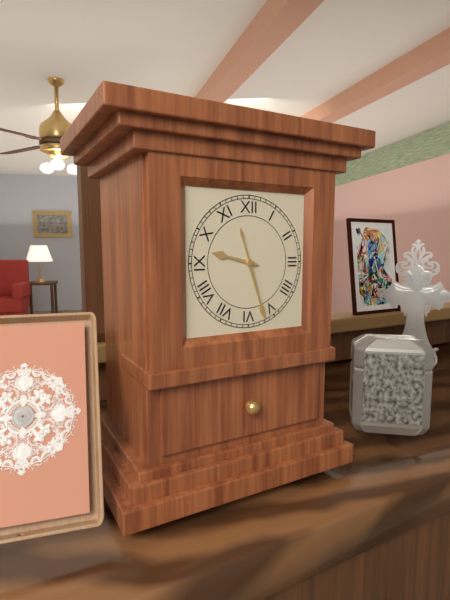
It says 9:27
